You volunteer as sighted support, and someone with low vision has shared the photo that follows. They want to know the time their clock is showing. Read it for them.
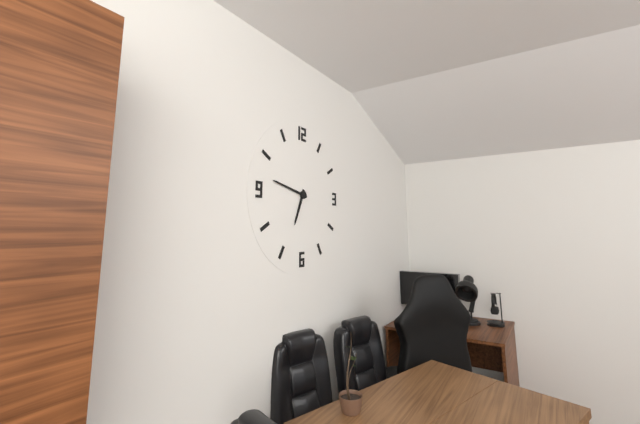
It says 6:47
